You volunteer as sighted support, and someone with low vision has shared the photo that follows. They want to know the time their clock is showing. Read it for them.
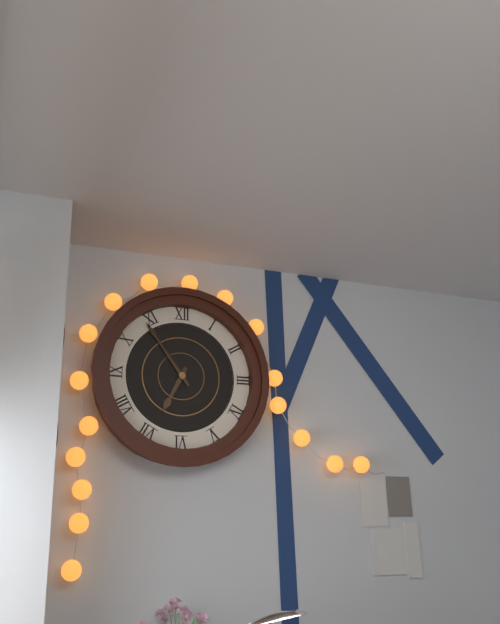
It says 6:54
